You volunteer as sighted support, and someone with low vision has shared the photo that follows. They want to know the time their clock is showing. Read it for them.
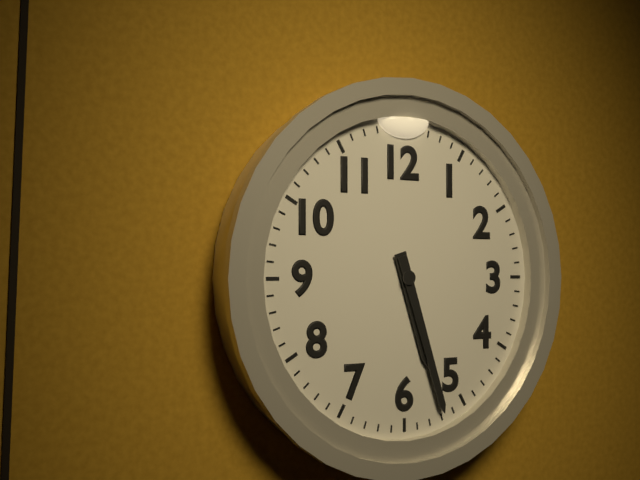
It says 5:27
